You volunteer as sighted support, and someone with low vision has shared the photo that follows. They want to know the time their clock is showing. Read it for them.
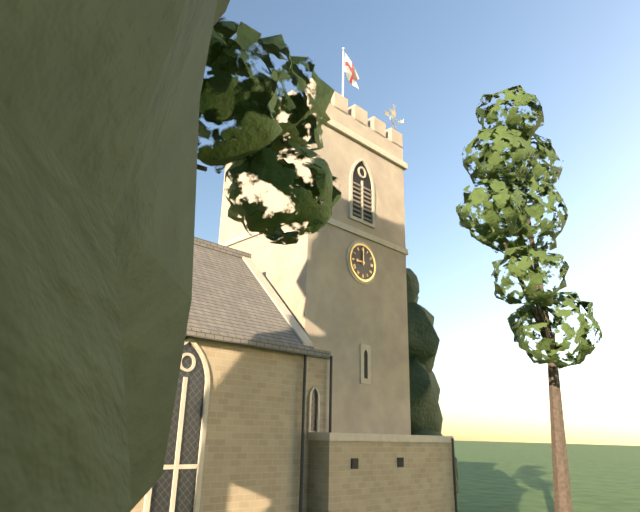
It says 9:00
